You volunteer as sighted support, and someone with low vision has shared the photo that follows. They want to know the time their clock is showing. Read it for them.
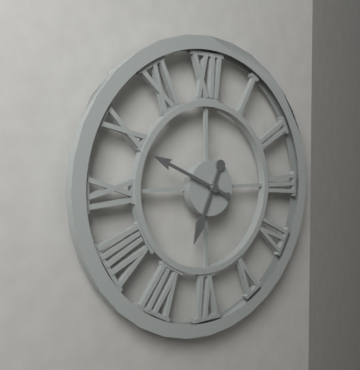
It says 6:49
